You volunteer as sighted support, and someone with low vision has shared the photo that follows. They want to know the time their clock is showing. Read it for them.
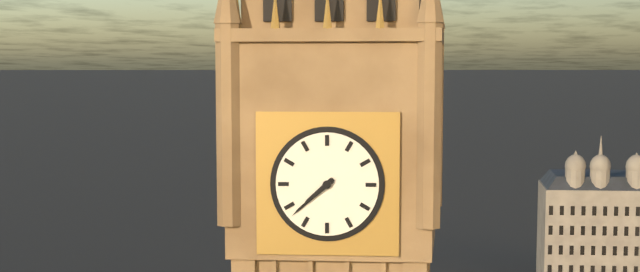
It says 7:38
